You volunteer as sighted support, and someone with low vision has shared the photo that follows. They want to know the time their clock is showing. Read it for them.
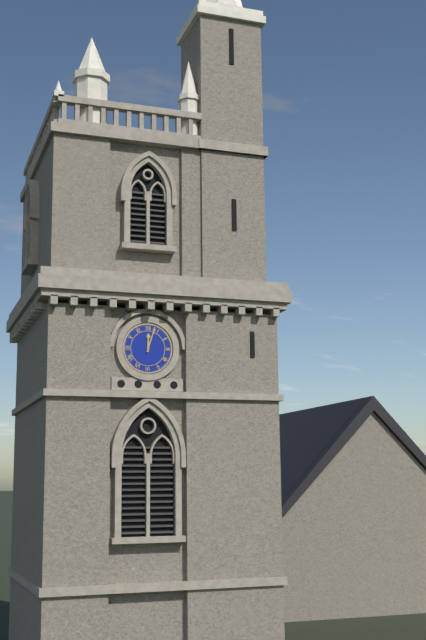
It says 12:03
